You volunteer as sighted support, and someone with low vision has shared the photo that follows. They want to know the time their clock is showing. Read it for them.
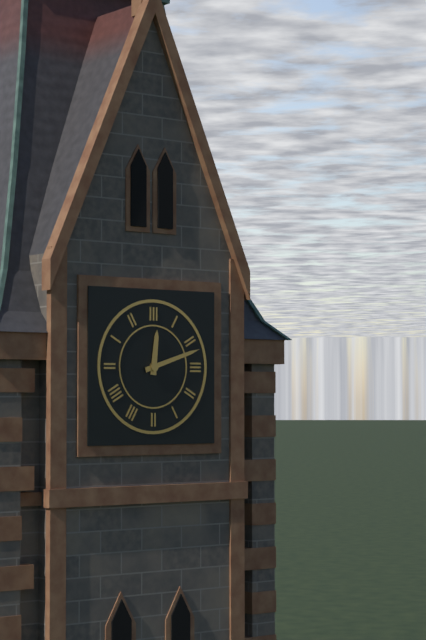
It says 12:12
